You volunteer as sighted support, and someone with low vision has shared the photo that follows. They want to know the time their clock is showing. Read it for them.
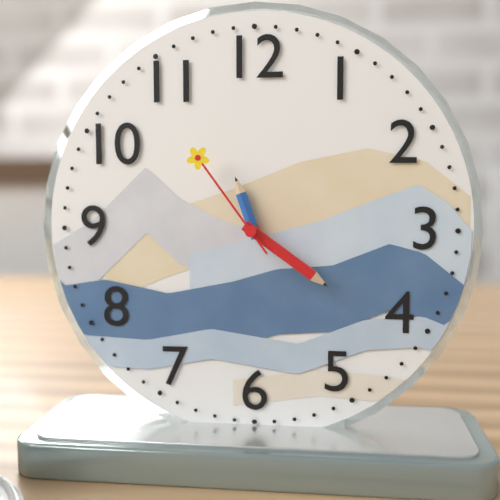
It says 11:21:54
